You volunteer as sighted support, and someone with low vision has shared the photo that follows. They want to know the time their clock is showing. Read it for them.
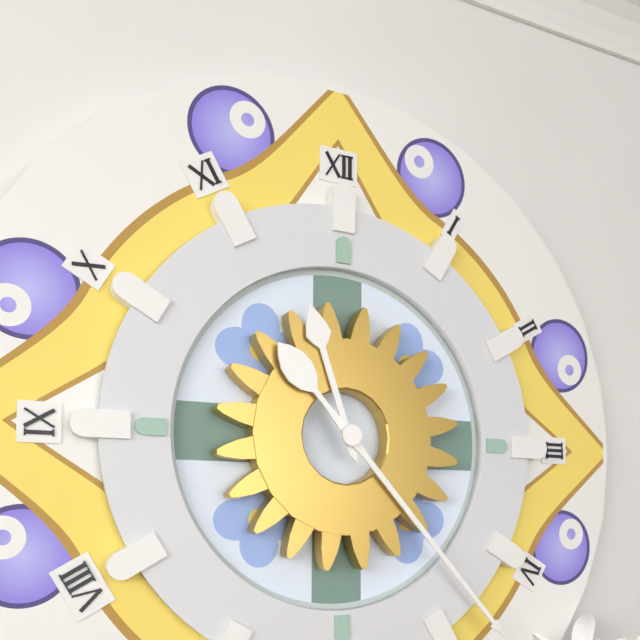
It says 11:23
